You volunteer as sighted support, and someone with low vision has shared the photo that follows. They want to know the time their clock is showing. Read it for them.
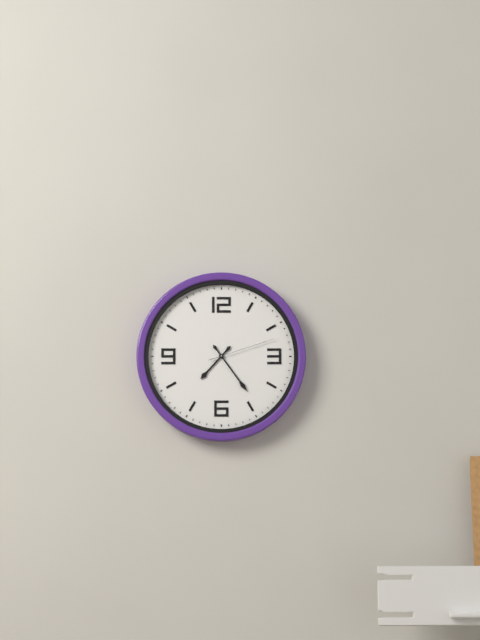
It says 7:24:12
